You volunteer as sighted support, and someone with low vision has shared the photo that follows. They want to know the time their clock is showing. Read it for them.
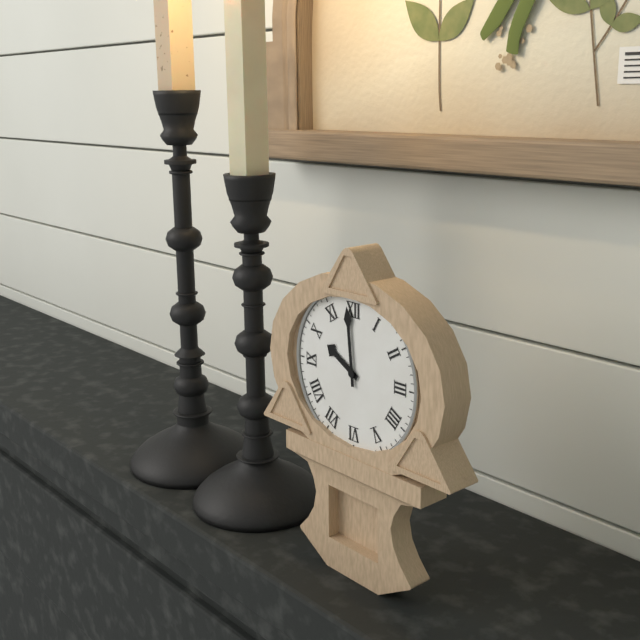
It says 9:59
